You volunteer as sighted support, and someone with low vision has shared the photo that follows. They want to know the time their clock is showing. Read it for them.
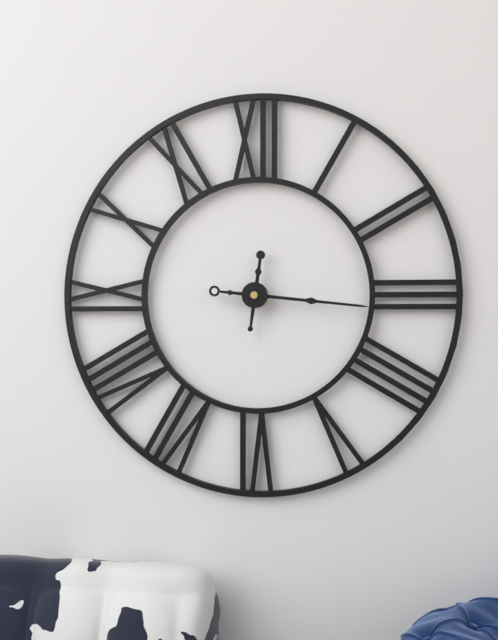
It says 12:16
